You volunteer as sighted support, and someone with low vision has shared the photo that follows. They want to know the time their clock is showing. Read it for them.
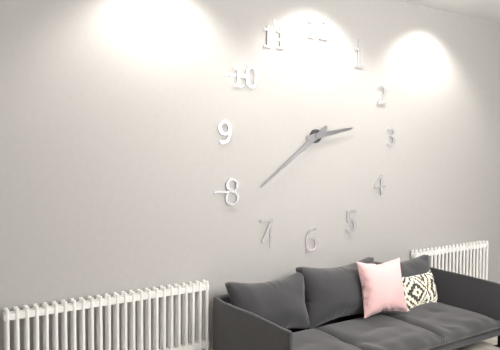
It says 2:39
